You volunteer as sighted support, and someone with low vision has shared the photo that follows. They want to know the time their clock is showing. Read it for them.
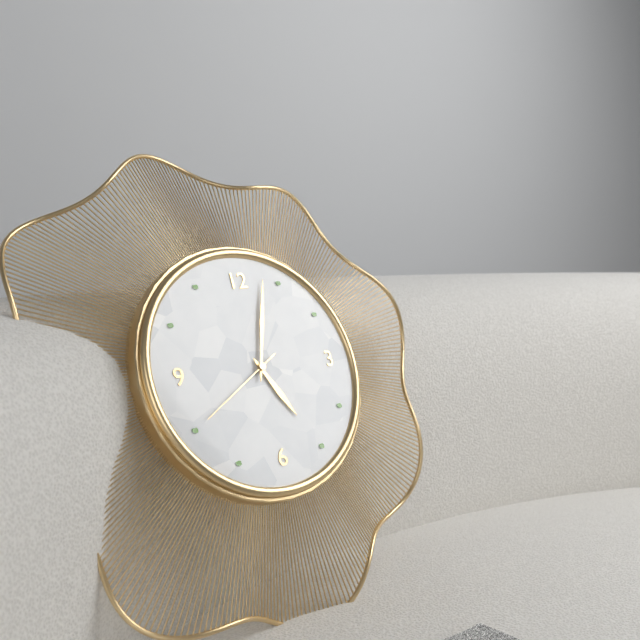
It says 5:03:40
